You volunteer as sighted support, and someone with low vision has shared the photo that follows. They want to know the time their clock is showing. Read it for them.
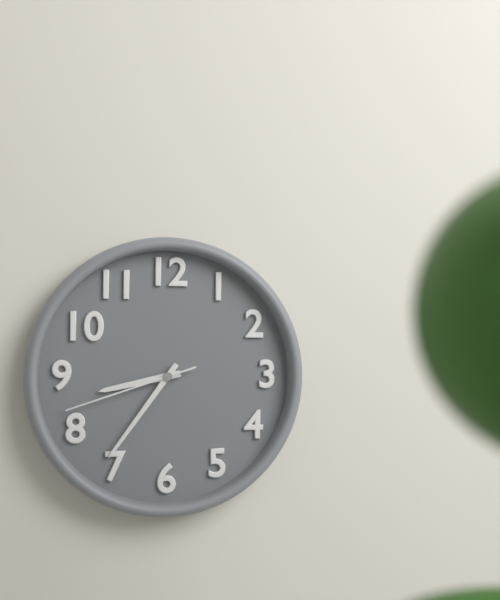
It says 8:36:42
